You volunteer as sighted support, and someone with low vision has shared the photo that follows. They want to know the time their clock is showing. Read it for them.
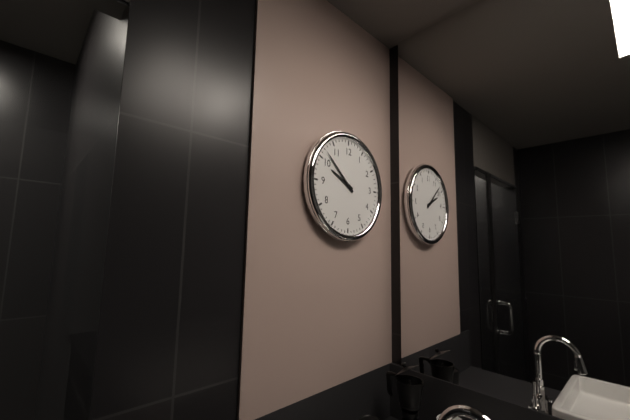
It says 9:52
